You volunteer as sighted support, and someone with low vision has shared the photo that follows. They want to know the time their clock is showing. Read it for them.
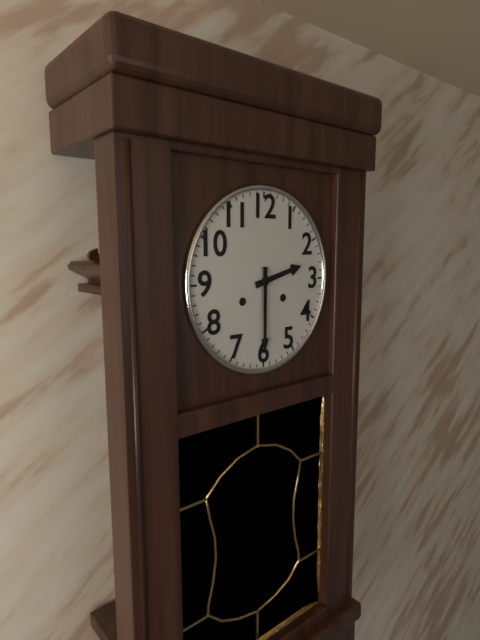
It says 2:30
